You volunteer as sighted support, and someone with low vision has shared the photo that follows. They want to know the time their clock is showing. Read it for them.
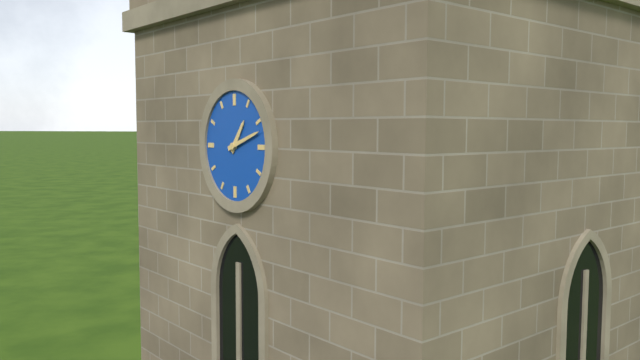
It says 1:12
